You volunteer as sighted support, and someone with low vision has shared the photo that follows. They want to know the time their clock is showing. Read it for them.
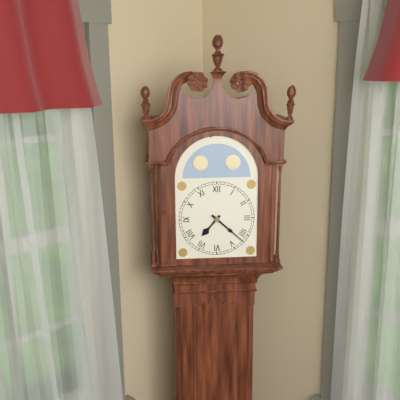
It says 7:22
